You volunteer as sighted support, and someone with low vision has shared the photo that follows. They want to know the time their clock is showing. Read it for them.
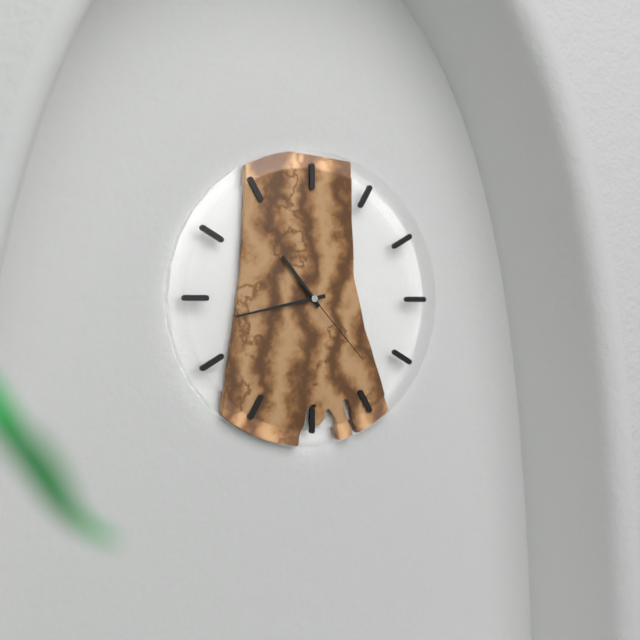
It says 10:43:23
